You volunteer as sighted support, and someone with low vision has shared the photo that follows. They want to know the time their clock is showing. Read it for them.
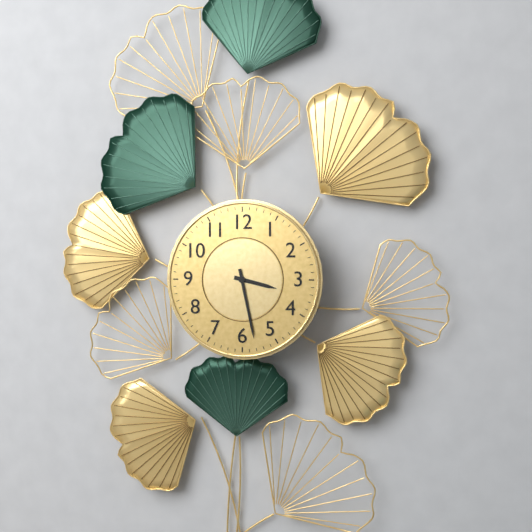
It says 3:28
